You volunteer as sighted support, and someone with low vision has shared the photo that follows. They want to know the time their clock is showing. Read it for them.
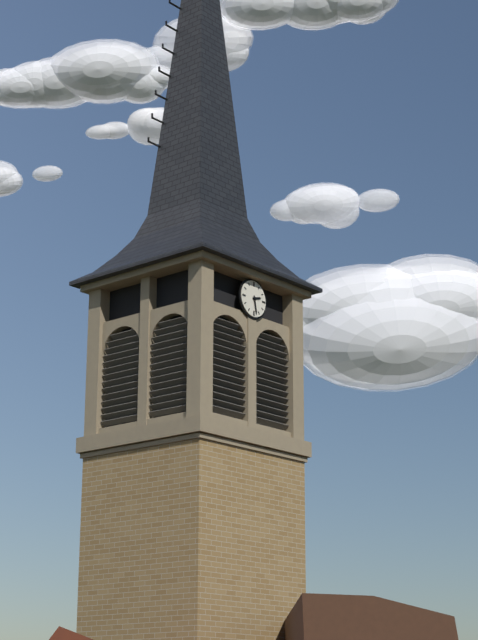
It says 2:28
